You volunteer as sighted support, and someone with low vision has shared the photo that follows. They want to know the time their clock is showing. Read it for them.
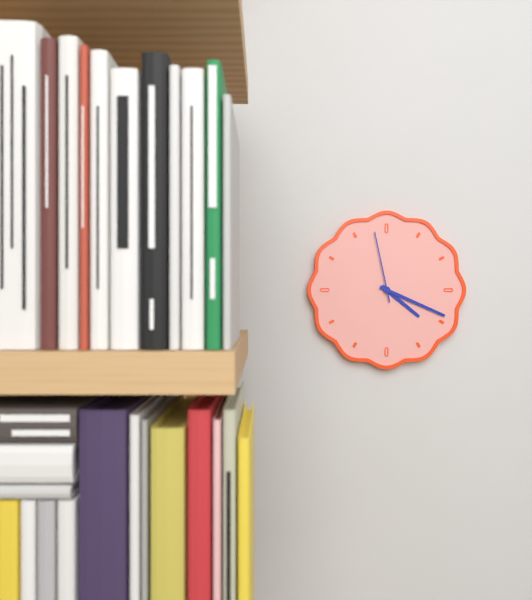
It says 4:19:58
